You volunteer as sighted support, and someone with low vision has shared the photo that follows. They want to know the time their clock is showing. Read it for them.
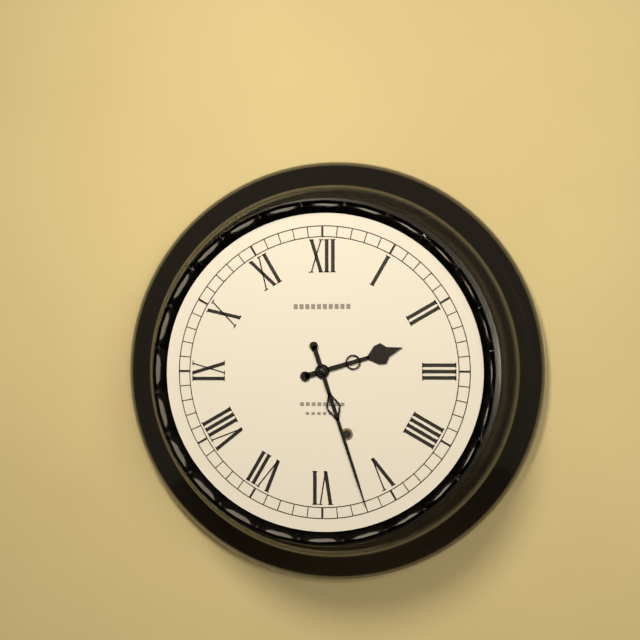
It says 2:27
